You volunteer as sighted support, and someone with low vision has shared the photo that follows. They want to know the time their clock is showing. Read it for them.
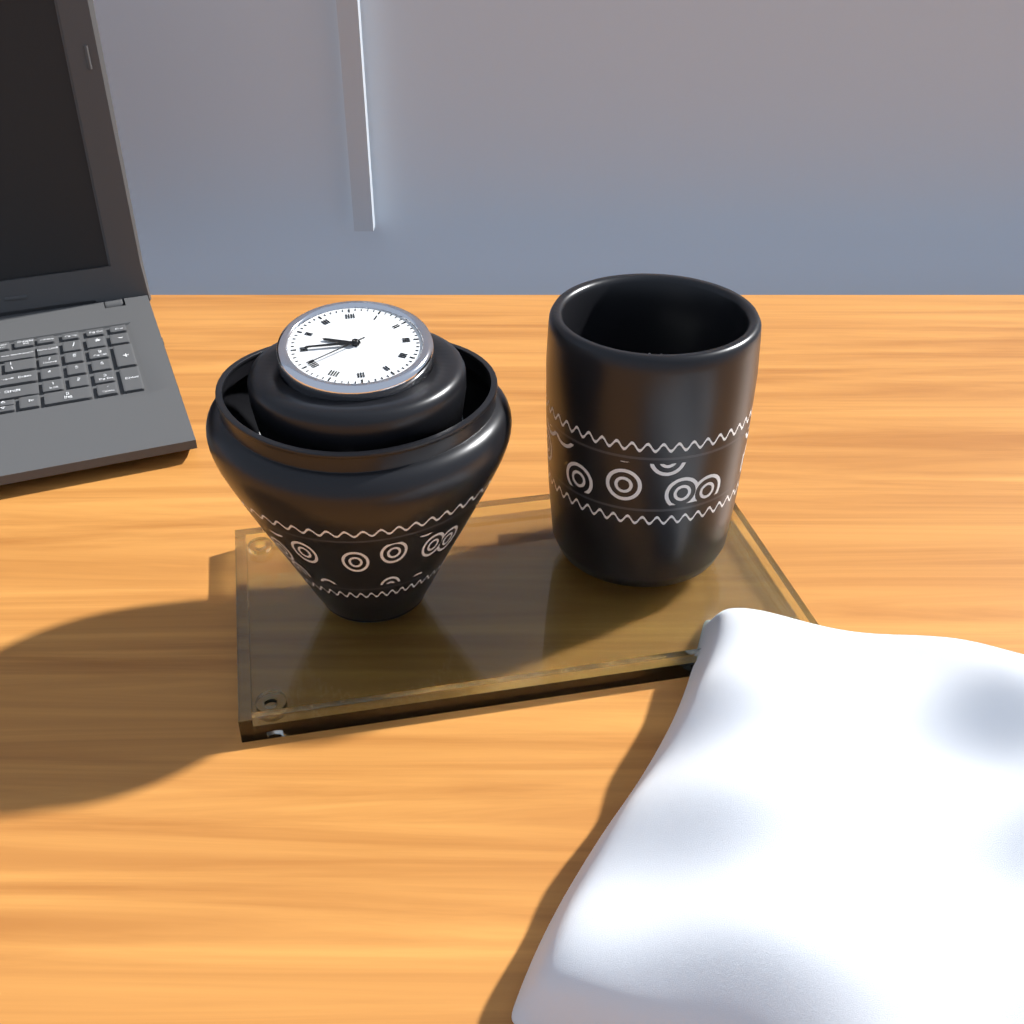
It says 9:45:40
